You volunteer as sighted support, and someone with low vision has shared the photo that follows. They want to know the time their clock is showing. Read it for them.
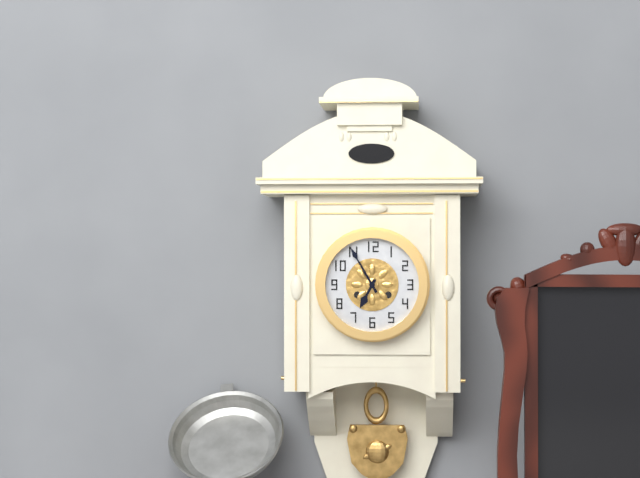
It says 6:55
